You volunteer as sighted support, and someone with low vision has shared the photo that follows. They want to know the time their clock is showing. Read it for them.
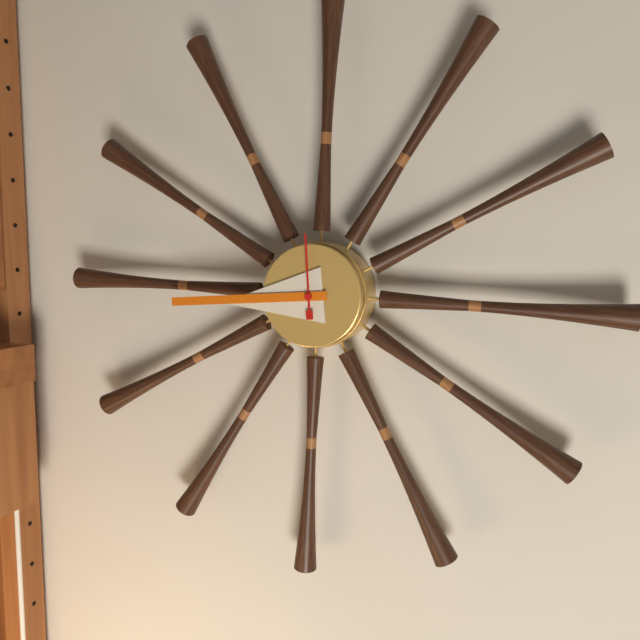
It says 8:44:59
